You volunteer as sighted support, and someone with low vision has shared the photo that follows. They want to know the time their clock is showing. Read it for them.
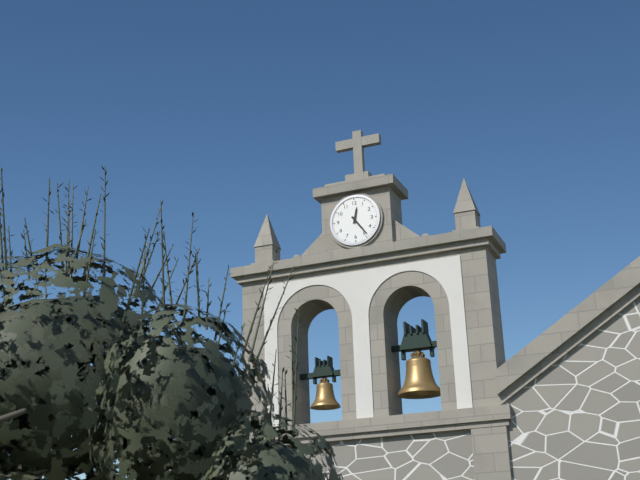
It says 12:24
